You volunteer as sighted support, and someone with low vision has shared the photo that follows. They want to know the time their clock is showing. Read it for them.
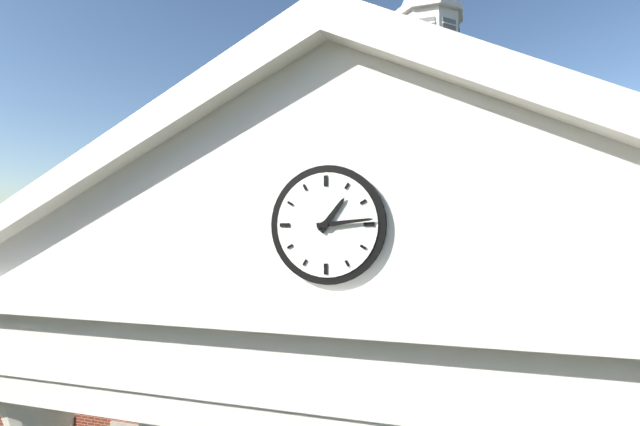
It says 1:14
